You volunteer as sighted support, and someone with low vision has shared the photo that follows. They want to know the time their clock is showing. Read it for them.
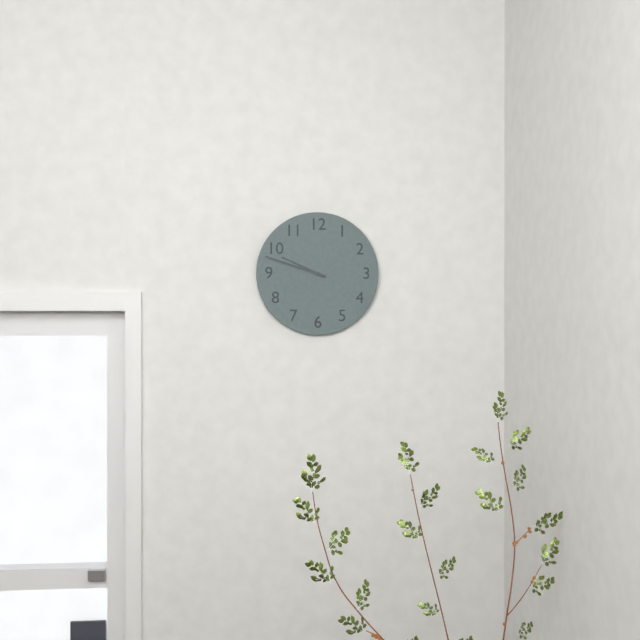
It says 9:48
